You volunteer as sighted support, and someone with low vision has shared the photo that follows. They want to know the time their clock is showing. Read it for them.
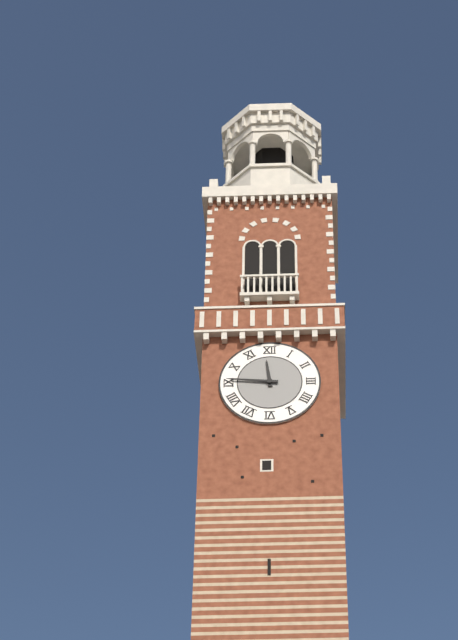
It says 11:46
